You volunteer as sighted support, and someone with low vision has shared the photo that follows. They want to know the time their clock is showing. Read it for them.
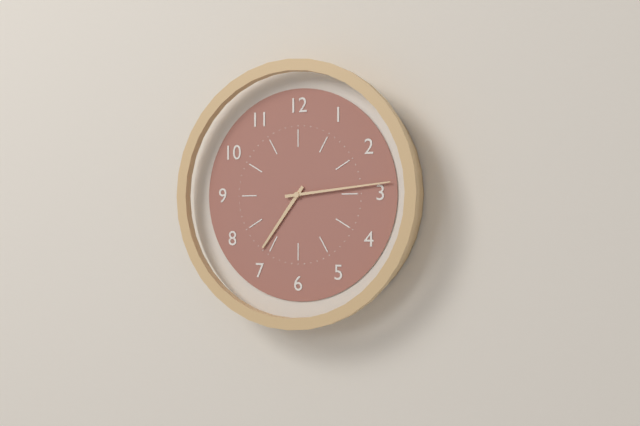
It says 7:14
